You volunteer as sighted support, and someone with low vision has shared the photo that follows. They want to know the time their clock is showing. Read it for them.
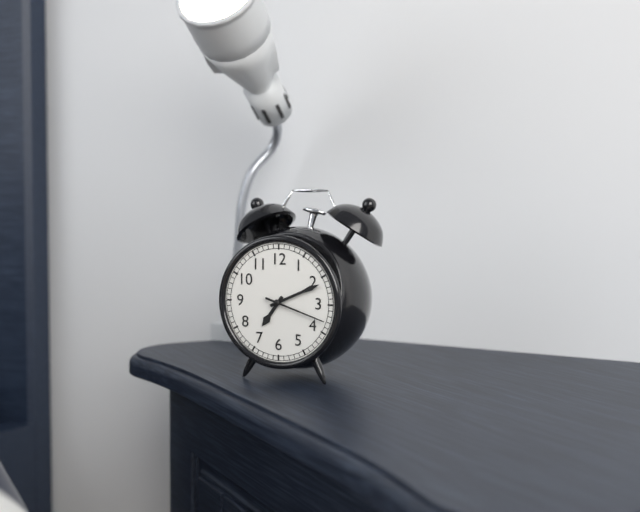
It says 7:11:18
